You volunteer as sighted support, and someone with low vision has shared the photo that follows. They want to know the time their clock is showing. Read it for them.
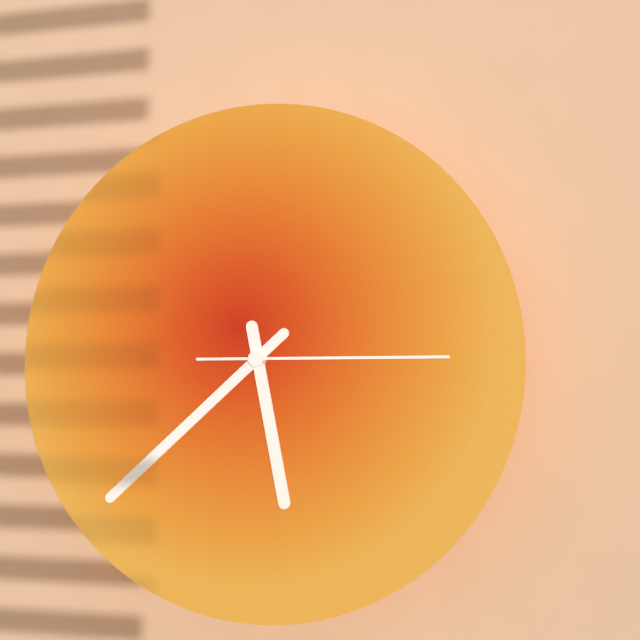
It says 5:38:15
